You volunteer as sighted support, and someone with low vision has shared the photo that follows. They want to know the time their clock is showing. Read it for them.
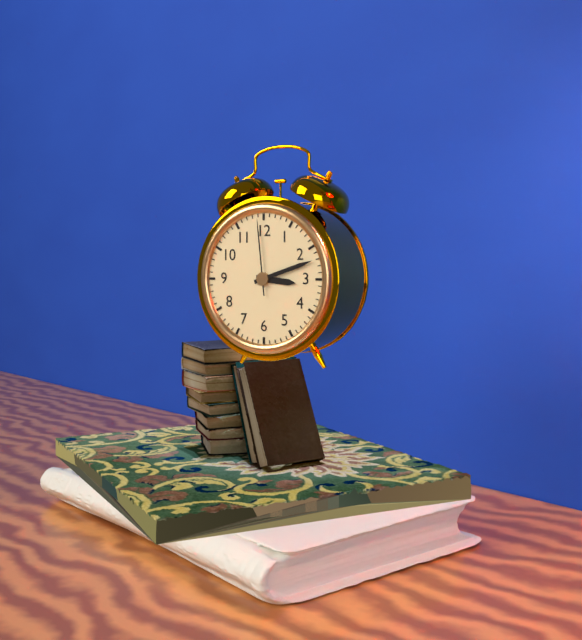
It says 3:12:59
